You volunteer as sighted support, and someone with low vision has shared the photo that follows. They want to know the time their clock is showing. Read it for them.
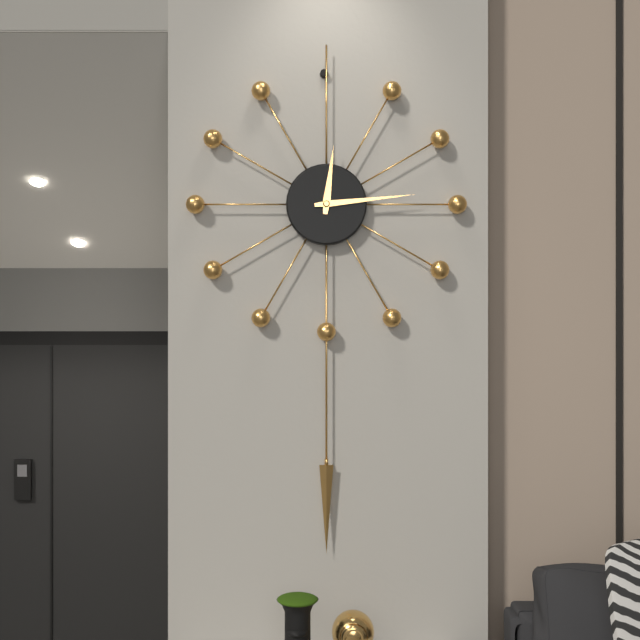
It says 12:14
